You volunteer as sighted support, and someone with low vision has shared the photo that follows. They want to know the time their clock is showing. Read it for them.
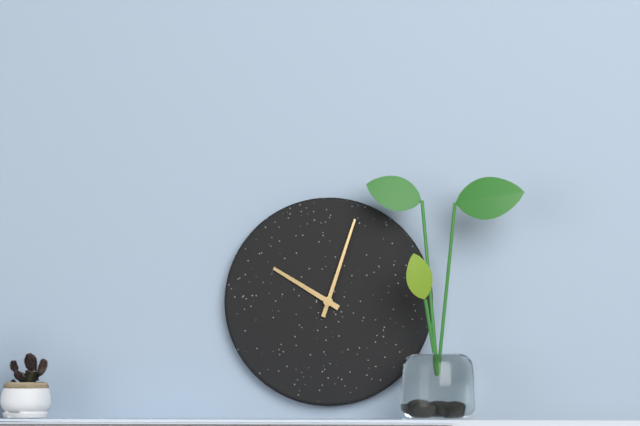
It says 10:03
